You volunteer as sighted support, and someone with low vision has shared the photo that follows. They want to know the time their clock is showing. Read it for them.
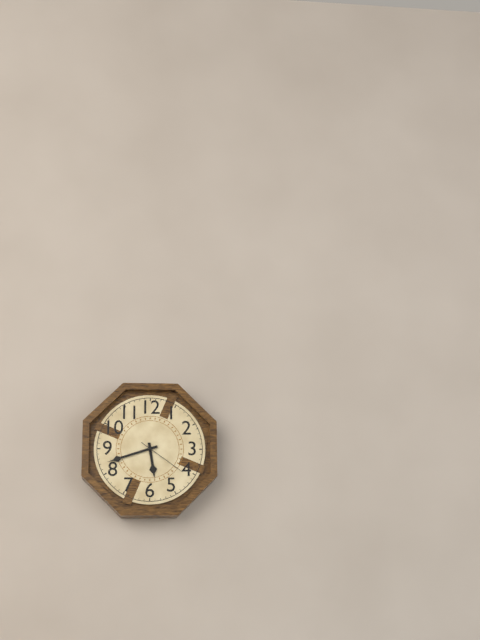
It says 5:42:21
